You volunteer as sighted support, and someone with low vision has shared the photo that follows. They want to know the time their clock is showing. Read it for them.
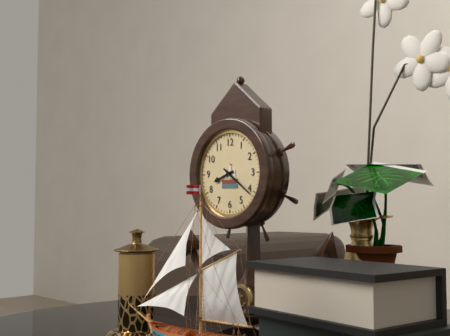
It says 8:21
